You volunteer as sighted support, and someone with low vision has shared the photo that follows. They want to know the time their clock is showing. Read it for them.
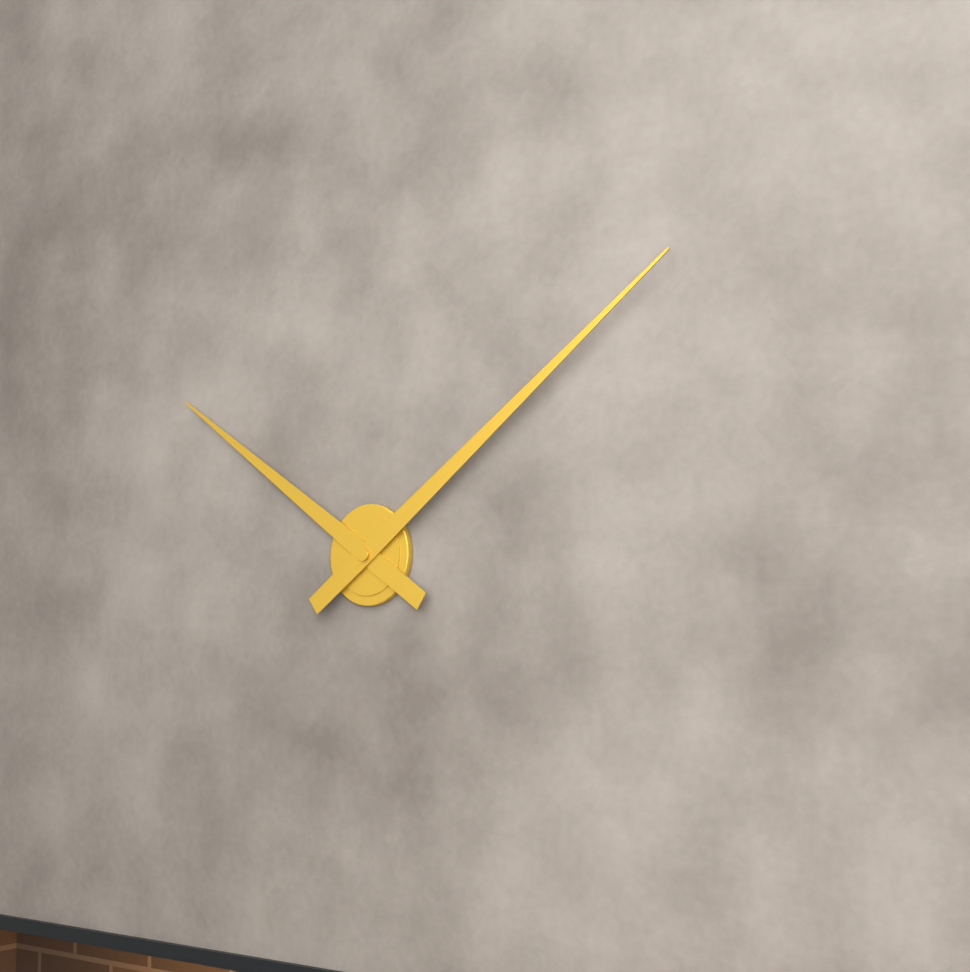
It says 10:09
